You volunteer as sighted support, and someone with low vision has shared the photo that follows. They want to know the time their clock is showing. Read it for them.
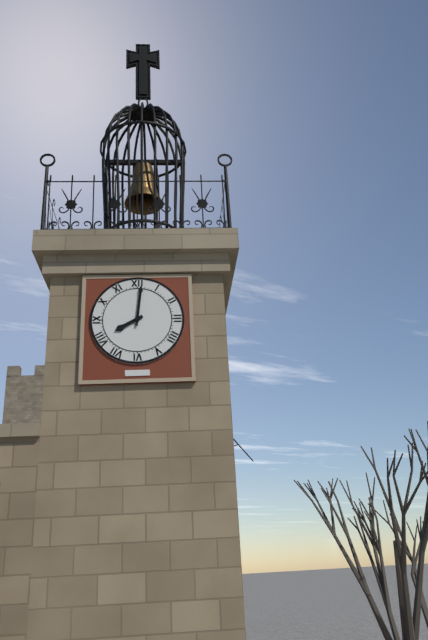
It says 8:01
